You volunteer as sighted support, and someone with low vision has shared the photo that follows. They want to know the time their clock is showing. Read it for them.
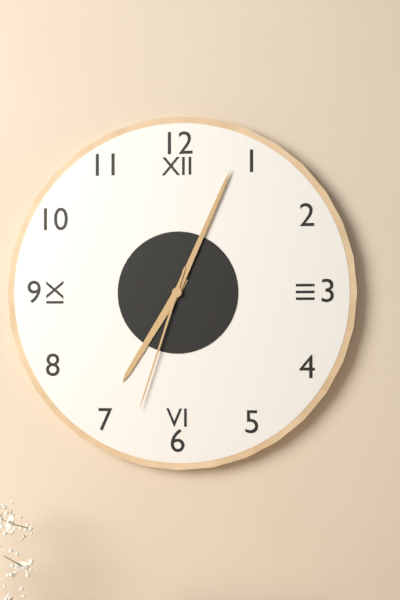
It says 7:04:33
